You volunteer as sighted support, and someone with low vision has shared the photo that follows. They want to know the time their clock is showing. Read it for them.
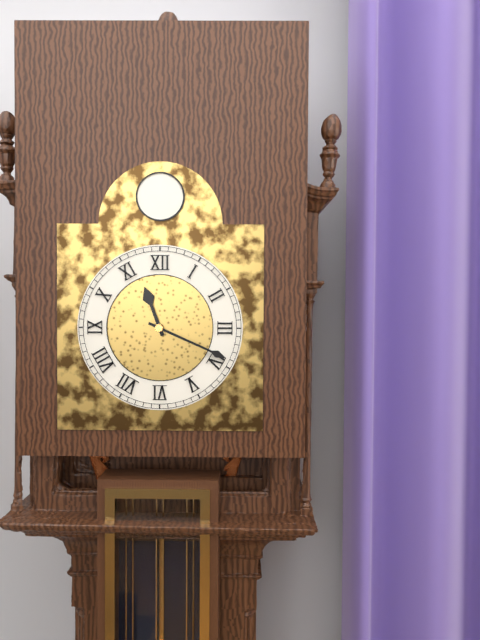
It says 11:19
